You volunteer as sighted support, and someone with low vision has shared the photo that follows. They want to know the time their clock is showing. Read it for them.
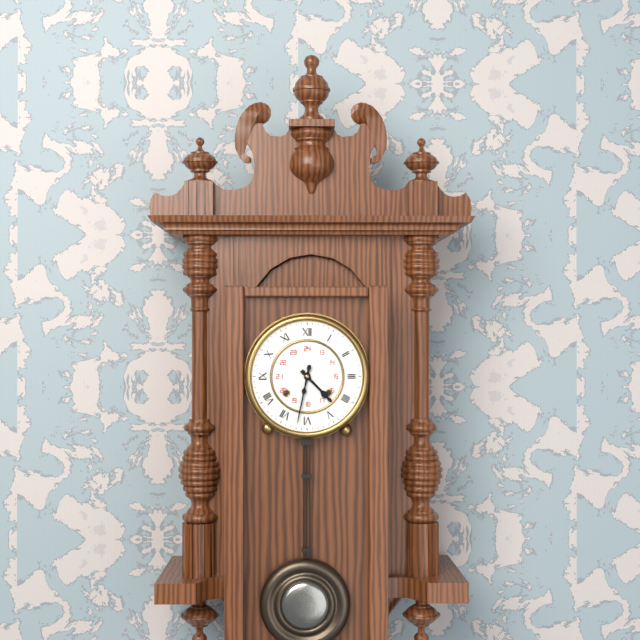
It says 4:32
